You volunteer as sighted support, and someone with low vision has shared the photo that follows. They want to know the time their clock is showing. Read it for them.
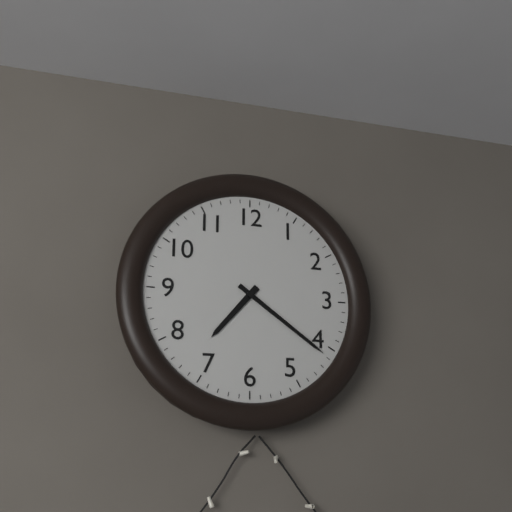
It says 7:21
